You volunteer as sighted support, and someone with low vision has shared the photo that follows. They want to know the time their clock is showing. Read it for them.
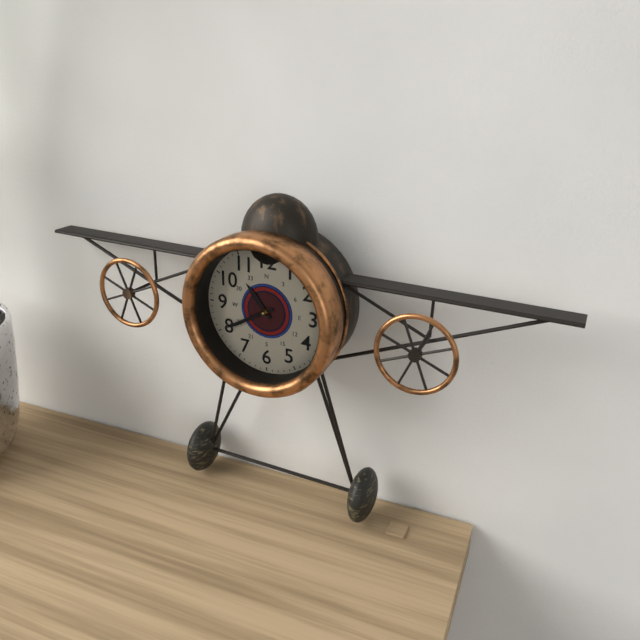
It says 10:40
